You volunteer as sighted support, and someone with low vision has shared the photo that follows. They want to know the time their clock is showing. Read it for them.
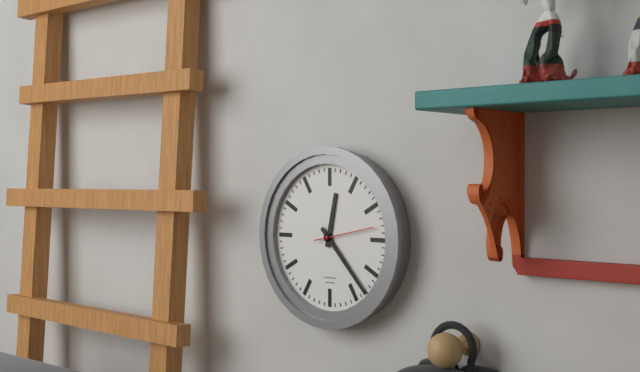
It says 12:23:13
